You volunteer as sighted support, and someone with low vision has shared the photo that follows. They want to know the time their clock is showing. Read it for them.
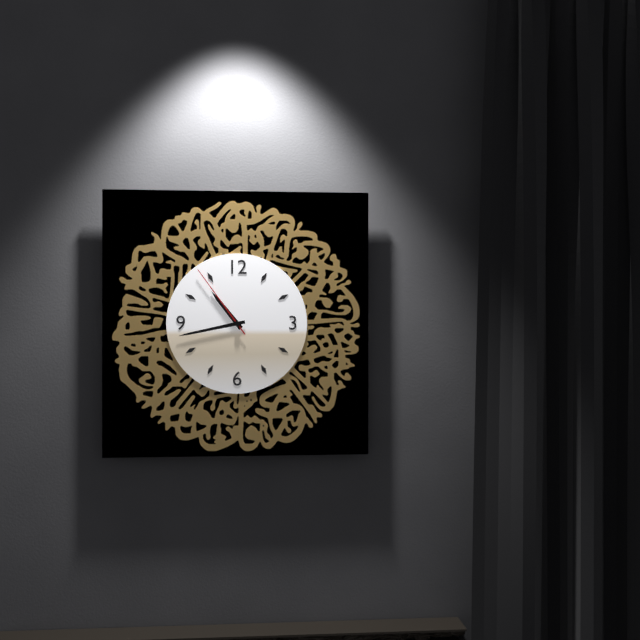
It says 10:43:54
